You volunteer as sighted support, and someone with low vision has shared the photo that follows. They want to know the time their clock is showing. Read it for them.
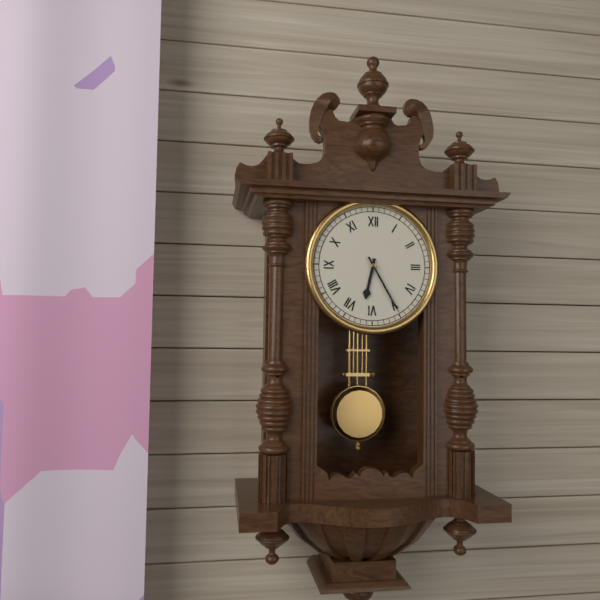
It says 6:25
